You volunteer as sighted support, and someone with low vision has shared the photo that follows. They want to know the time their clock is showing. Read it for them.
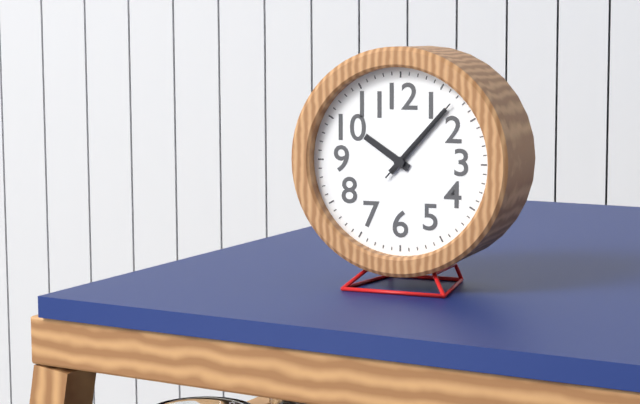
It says 10:07:07
